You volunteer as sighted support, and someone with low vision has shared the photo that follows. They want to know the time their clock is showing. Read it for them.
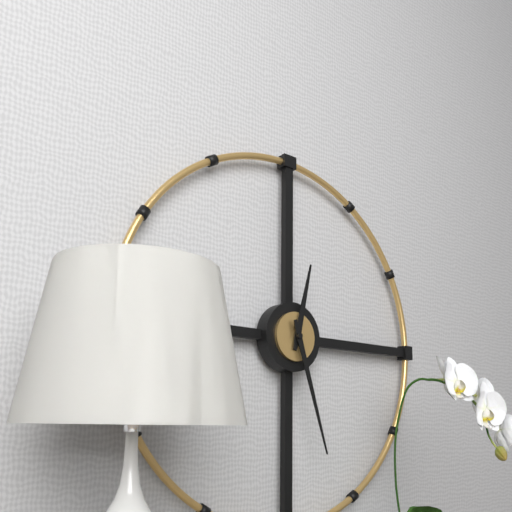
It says 12:27
